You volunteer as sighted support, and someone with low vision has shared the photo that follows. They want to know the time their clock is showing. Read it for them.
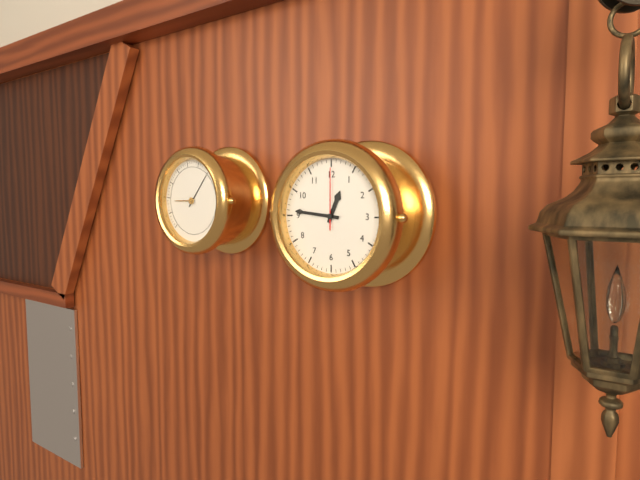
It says 12:46:00
